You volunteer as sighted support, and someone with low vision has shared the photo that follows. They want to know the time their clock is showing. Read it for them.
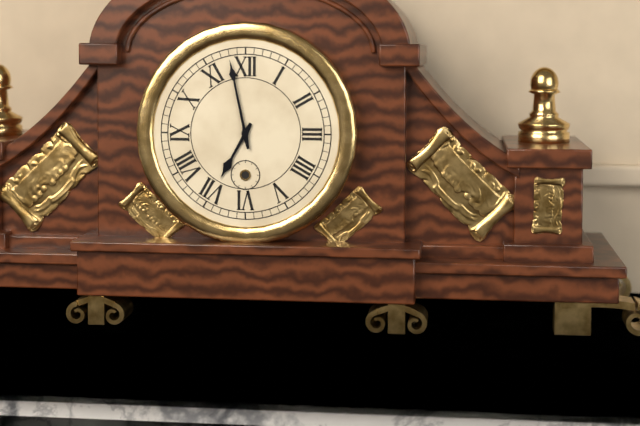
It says 6:58
